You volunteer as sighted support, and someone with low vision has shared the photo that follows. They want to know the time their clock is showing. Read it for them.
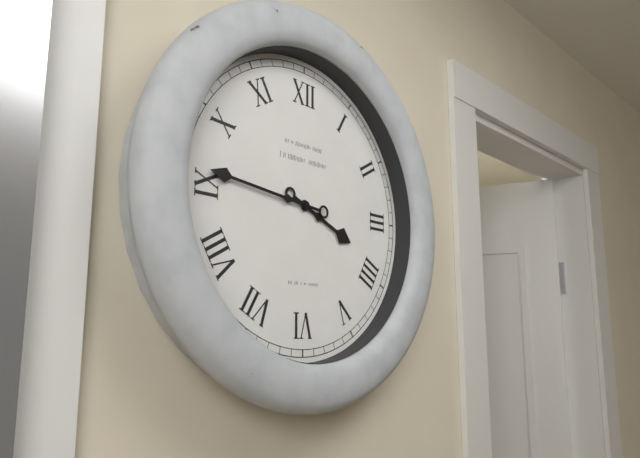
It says 3:46
